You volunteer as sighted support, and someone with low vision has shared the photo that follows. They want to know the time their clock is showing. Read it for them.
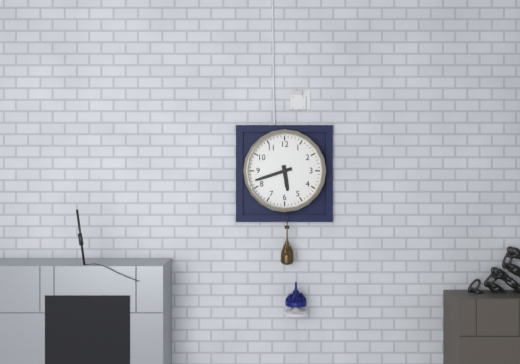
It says 5:42
